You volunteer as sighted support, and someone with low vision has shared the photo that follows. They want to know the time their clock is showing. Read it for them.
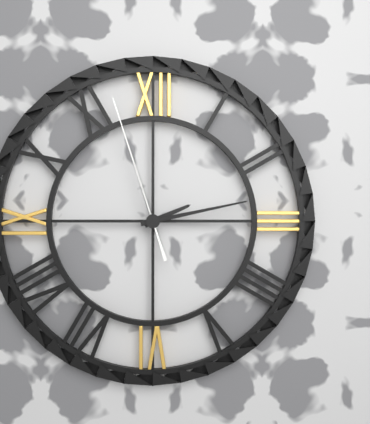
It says 2:13:57
